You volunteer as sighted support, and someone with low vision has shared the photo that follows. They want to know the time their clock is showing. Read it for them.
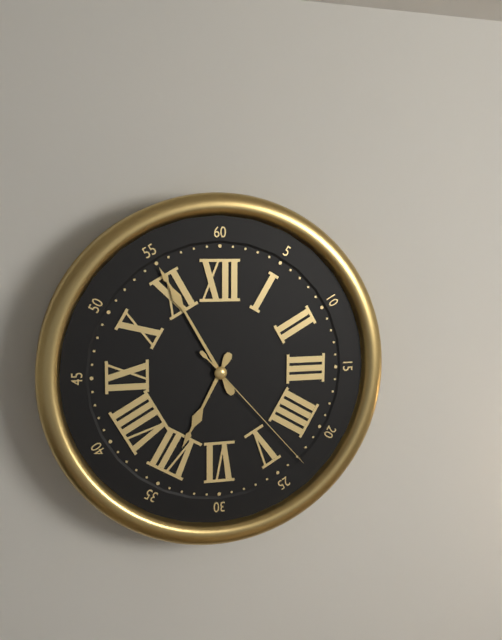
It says 6:55:23
